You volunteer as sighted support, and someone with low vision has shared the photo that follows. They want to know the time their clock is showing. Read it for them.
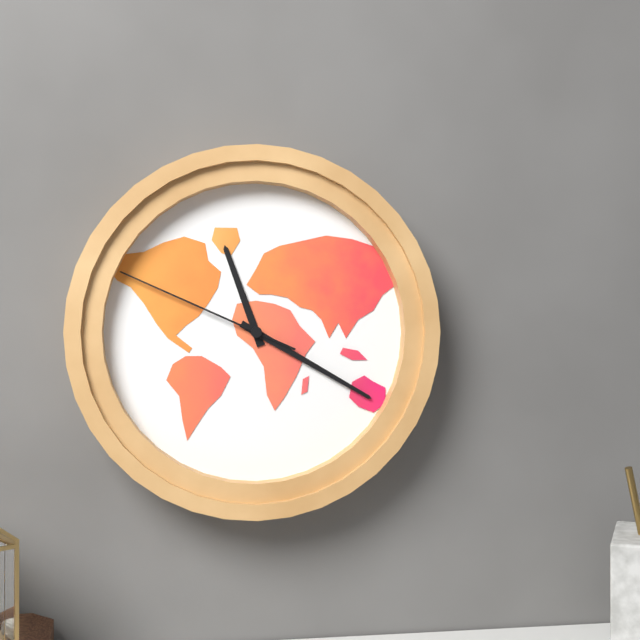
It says 11:20:49
